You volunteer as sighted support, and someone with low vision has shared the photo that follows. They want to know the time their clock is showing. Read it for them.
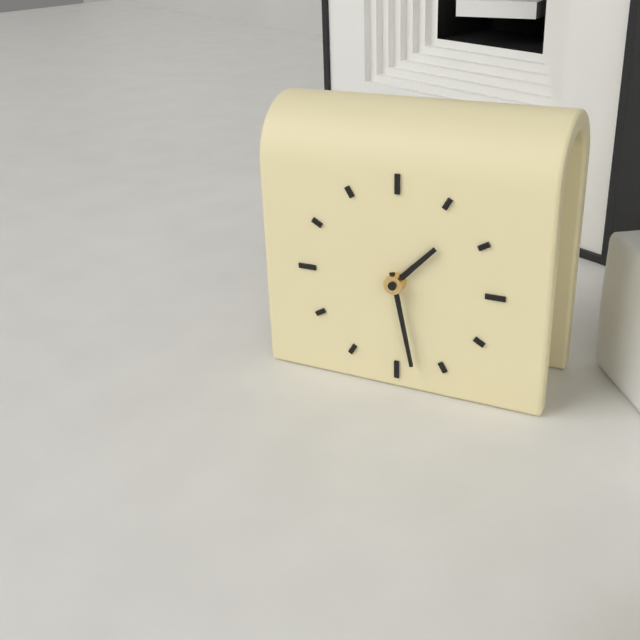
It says 1:28
